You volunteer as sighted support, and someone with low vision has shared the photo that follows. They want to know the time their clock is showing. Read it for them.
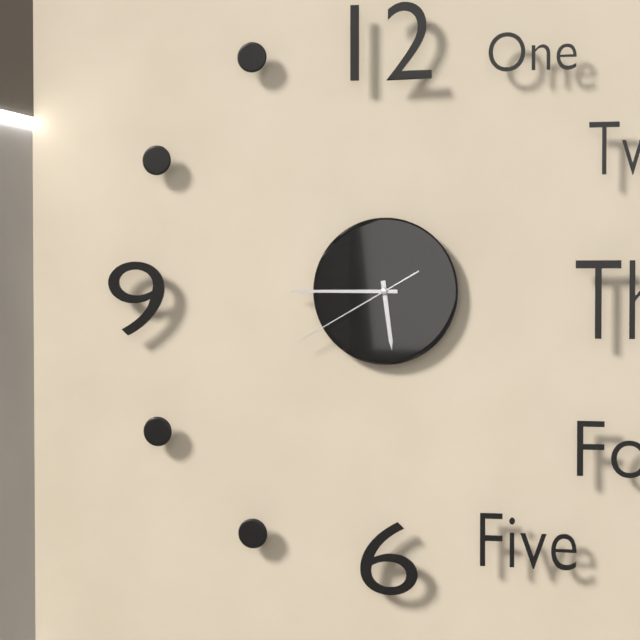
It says 5:45:40
